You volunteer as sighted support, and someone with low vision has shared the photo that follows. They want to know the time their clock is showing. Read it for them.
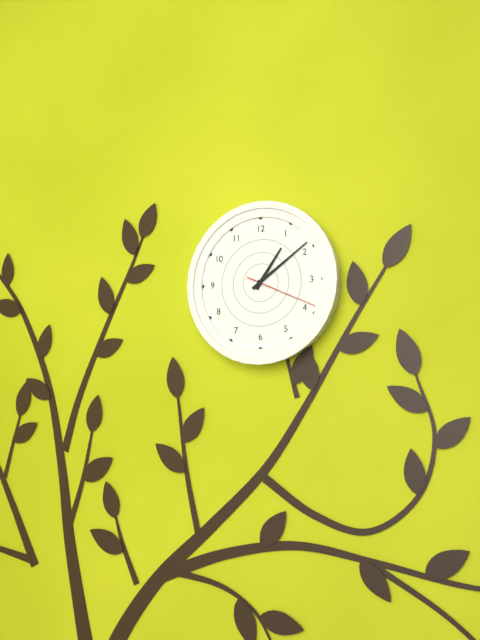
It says 1:09:19
